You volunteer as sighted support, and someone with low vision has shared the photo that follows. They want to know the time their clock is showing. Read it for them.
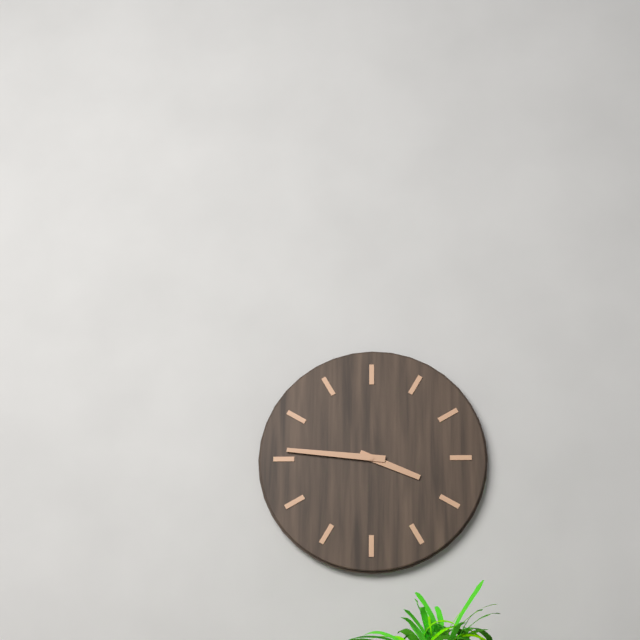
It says 3:46
